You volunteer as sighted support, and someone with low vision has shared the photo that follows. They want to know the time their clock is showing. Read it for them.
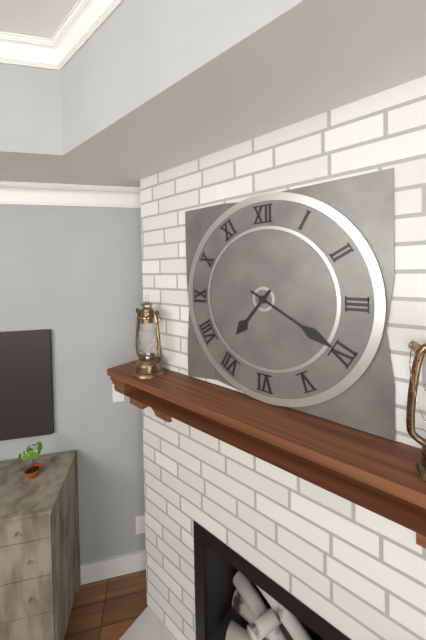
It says 7:20
